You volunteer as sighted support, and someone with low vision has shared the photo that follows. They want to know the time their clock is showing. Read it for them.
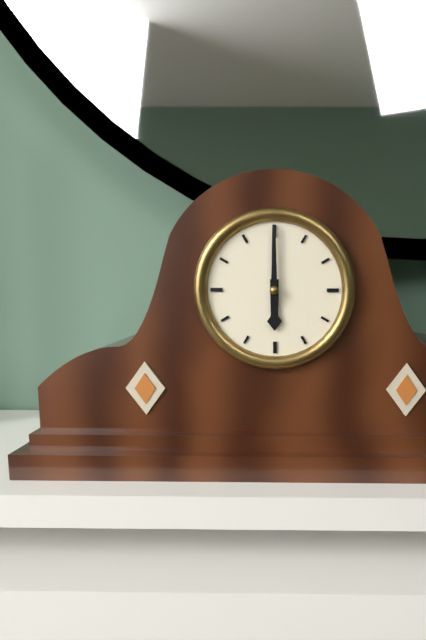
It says 6:00
